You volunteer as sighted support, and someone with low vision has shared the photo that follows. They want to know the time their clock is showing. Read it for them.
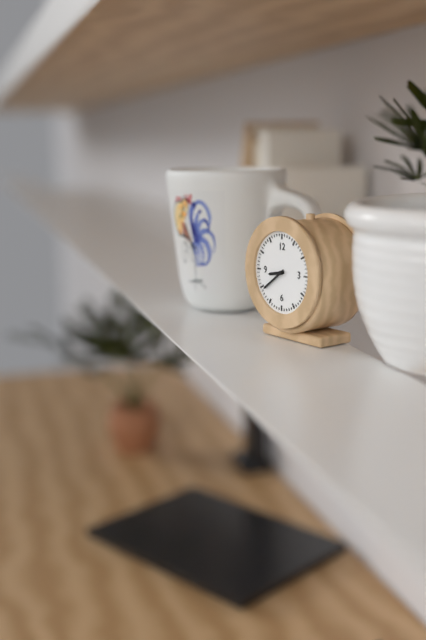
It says 8:39
